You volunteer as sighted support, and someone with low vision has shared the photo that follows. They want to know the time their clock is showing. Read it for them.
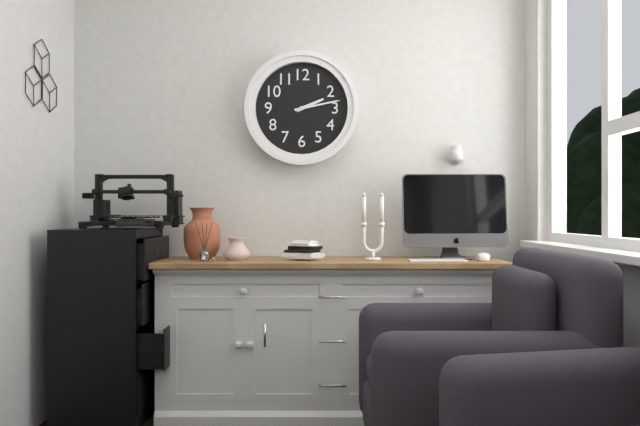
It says 2:13
